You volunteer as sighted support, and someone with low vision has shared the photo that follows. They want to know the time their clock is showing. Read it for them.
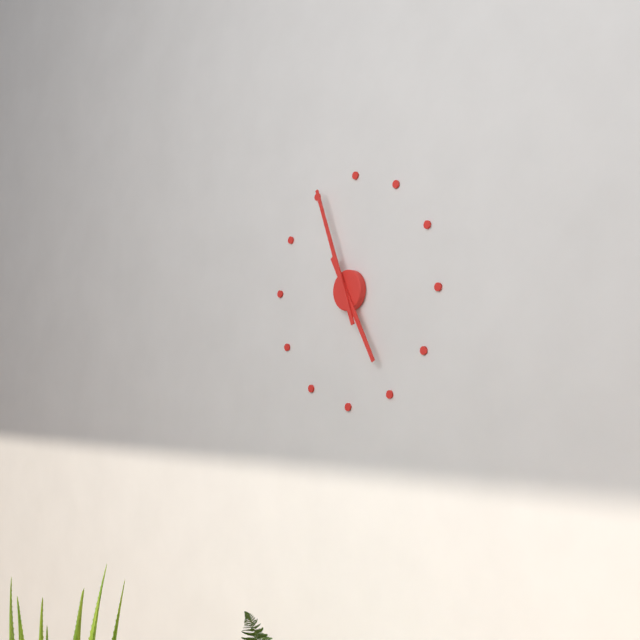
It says 4:56
